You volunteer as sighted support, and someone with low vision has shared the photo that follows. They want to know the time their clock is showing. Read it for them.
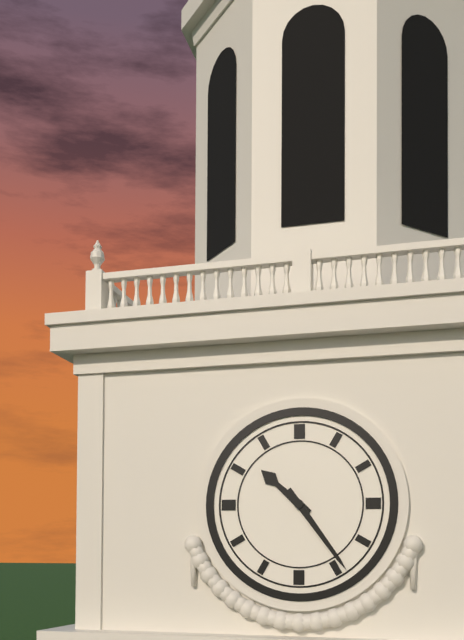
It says 10:24
